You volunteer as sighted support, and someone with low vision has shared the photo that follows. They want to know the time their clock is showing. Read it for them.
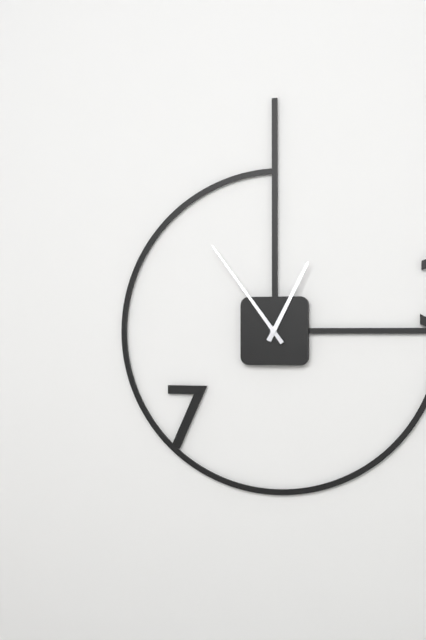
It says 12:54
